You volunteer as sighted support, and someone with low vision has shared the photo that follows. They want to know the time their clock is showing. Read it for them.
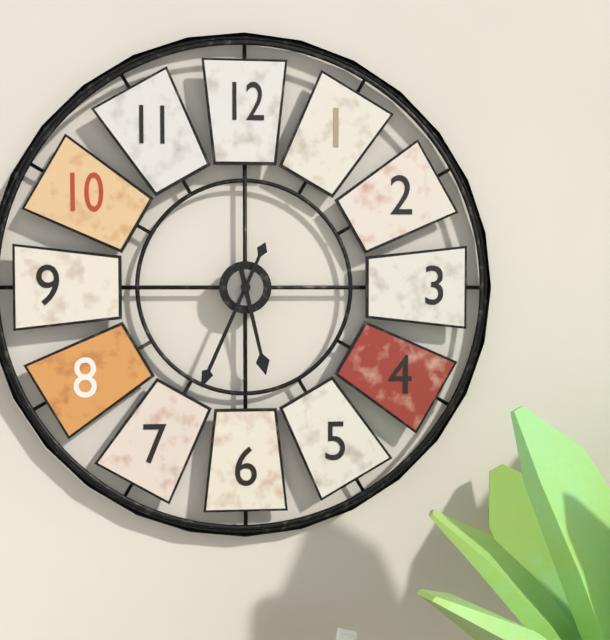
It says 5:34
